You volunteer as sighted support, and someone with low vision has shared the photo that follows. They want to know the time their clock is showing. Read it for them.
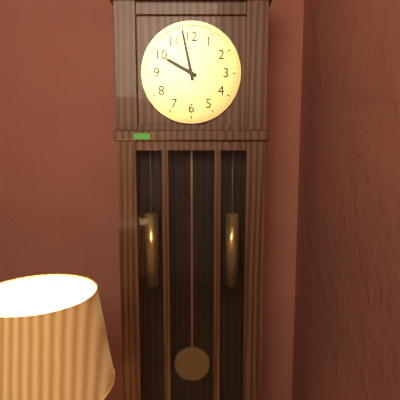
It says 9:58
